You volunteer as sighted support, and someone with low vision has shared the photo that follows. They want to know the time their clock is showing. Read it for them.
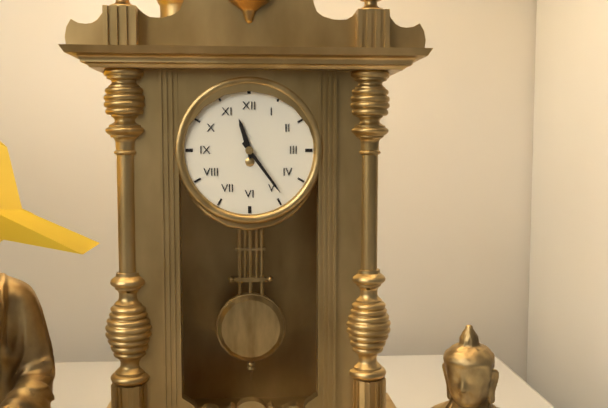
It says 11:24
